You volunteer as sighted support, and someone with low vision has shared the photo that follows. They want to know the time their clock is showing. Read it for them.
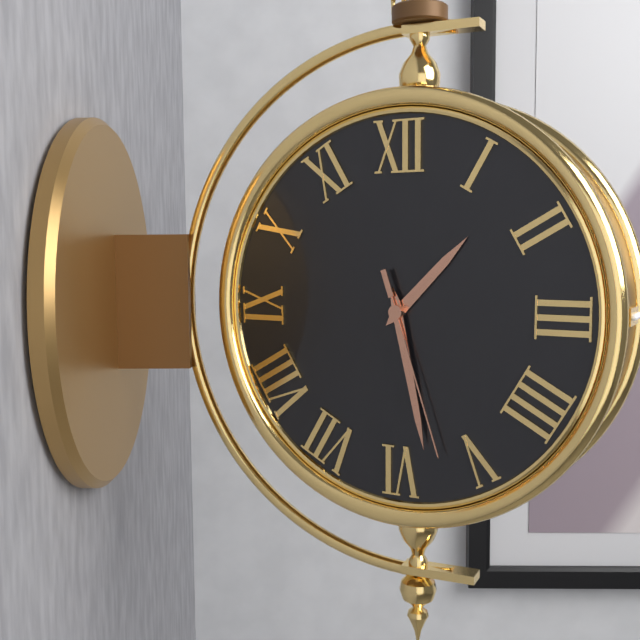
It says 1:28:27
